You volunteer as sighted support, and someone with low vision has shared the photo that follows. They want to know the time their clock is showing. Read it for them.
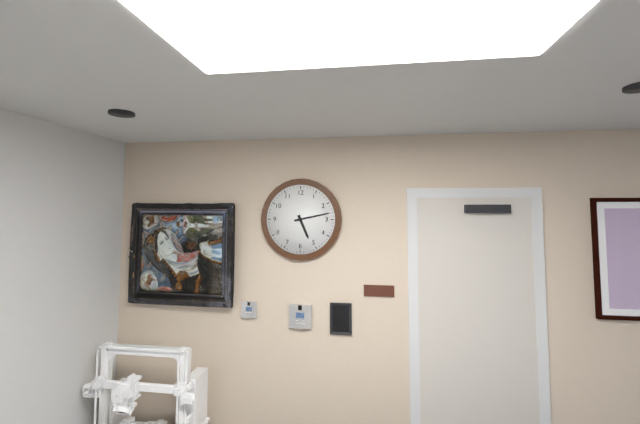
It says 5:13
